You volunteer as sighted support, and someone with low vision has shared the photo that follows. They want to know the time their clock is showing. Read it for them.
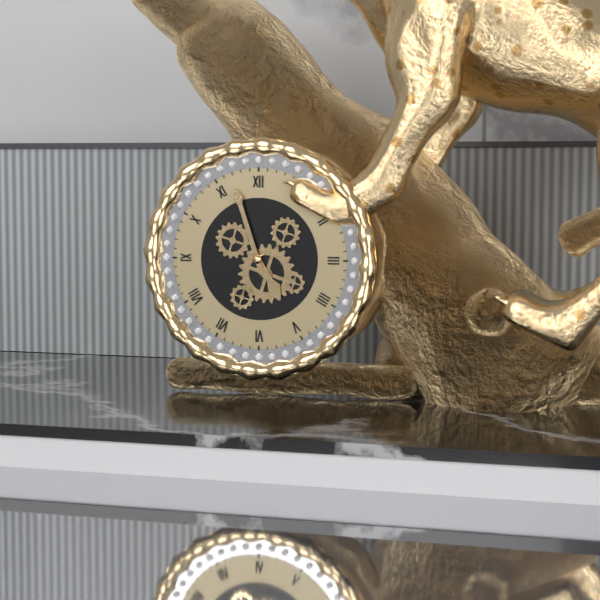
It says 4:57
